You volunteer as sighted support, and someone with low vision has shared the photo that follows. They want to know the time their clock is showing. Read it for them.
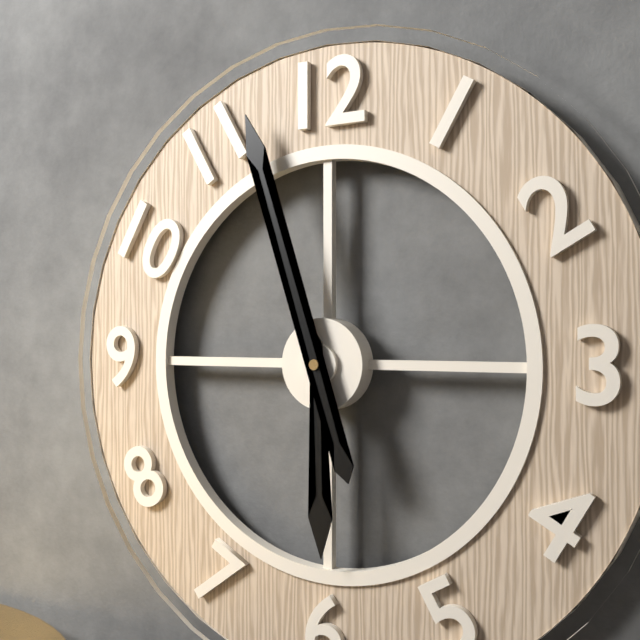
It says 5:57
